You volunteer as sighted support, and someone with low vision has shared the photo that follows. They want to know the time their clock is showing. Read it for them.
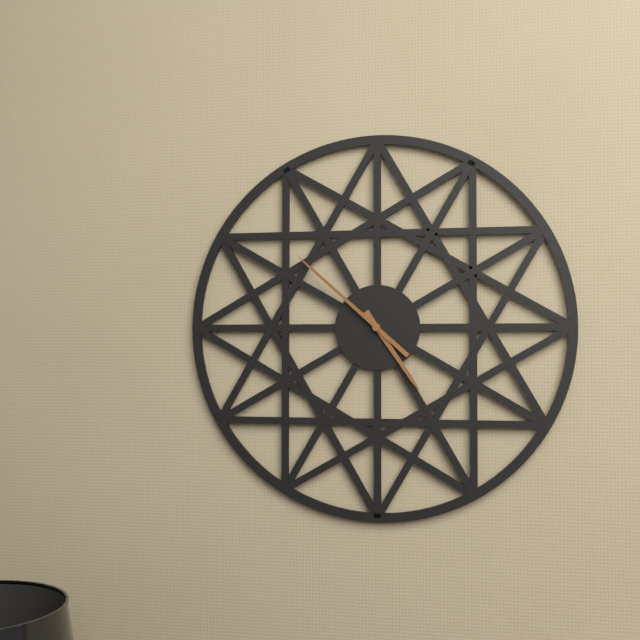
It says 4:52
